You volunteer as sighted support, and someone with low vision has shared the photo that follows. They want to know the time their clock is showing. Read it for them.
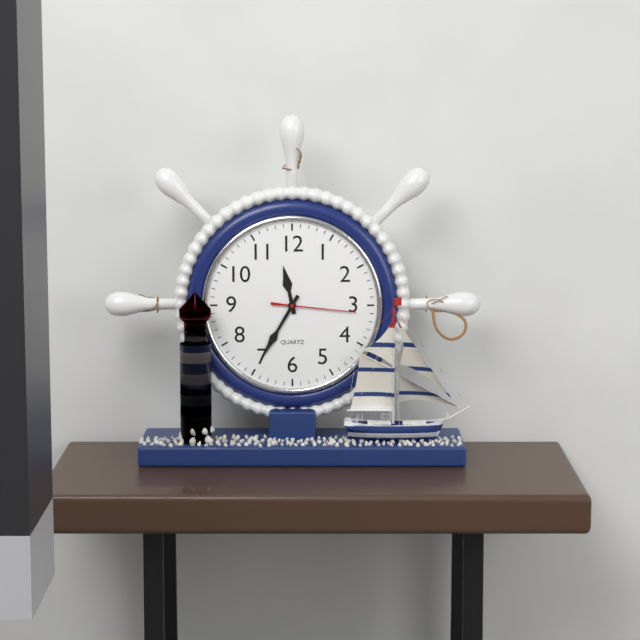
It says 11:35:16
